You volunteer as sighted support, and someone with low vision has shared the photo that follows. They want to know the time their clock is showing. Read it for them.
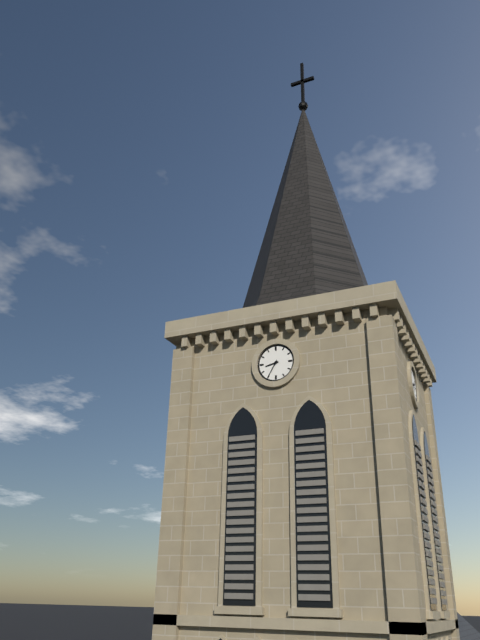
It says 8:35
